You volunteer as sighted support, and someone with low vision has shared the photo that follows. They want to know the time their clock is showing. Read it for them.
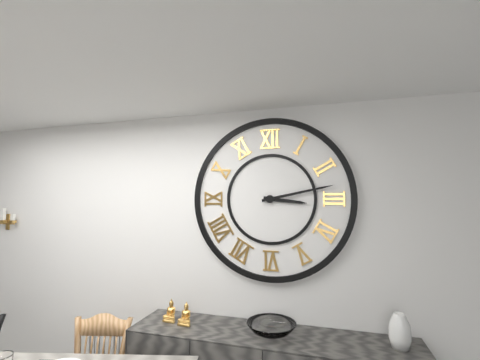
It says 3:13
